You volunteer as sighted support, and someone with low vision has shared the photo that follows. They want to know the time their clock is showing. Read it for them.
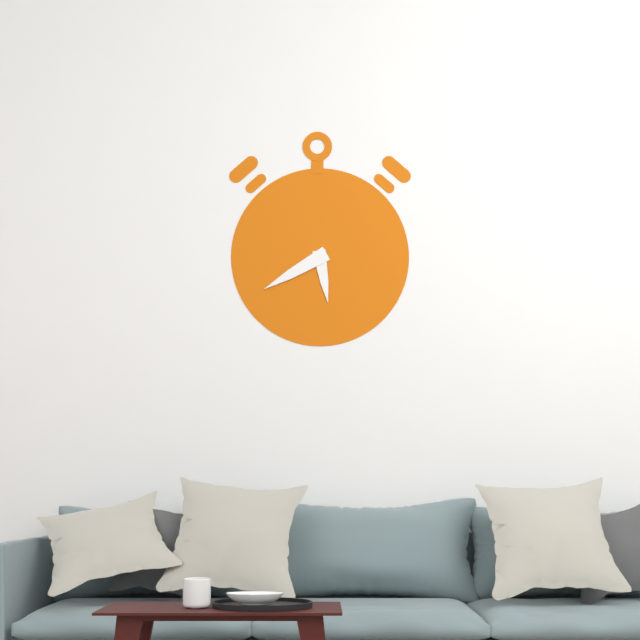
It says 5:40
